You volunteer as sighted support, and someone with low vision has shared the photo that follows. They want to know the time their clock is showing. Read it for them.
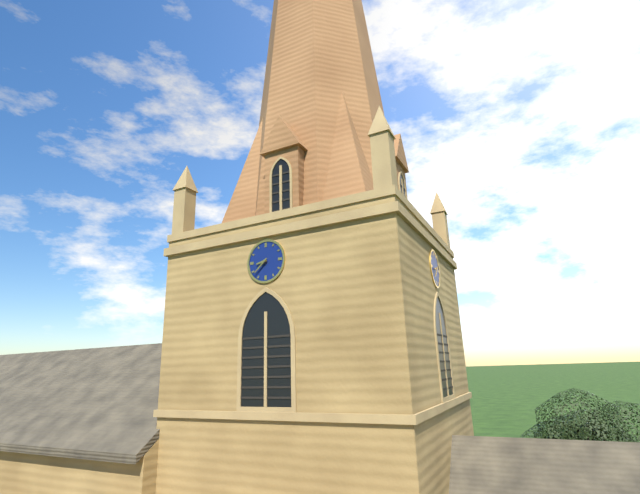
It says 8:38
